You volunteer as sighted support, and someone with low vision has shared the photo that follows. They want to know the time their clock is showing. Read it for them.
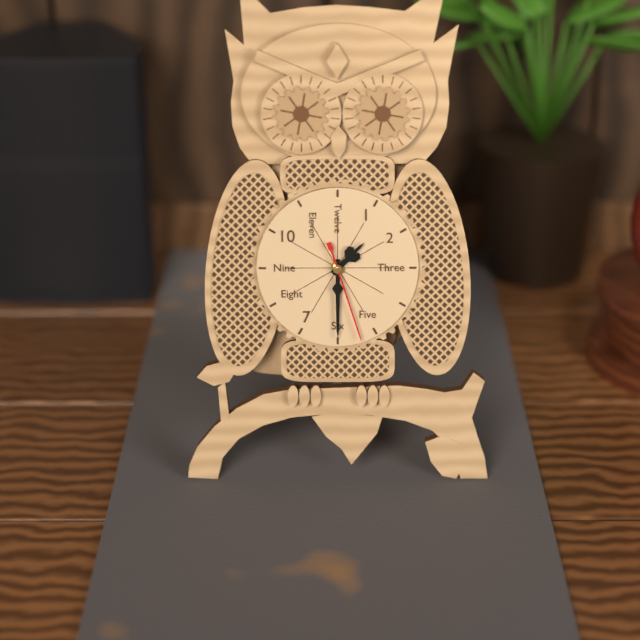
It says 1:30:27
